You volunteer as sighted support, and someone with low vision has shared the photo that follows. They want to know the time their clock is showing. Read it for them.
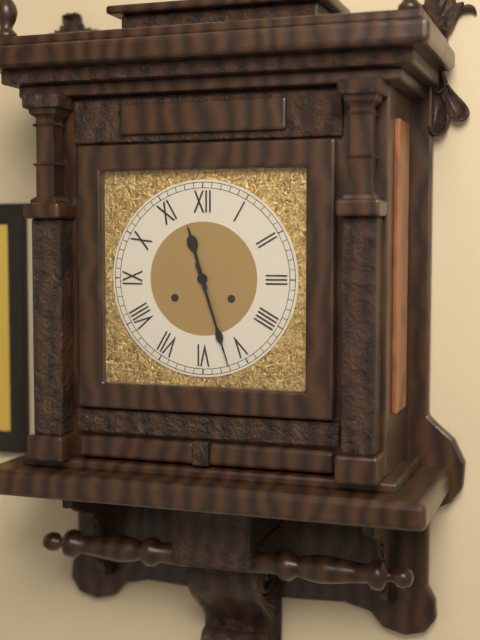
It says 11:27
